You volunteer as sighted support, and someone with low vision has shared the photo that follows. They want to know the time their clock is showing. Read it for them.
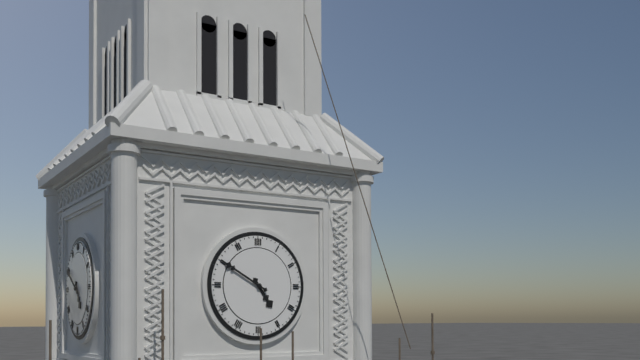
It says 4:50
